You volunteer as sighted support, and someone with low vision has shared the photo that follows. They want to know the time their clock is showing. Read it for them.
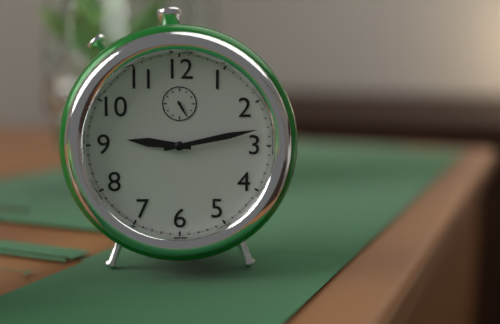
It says 9:13
